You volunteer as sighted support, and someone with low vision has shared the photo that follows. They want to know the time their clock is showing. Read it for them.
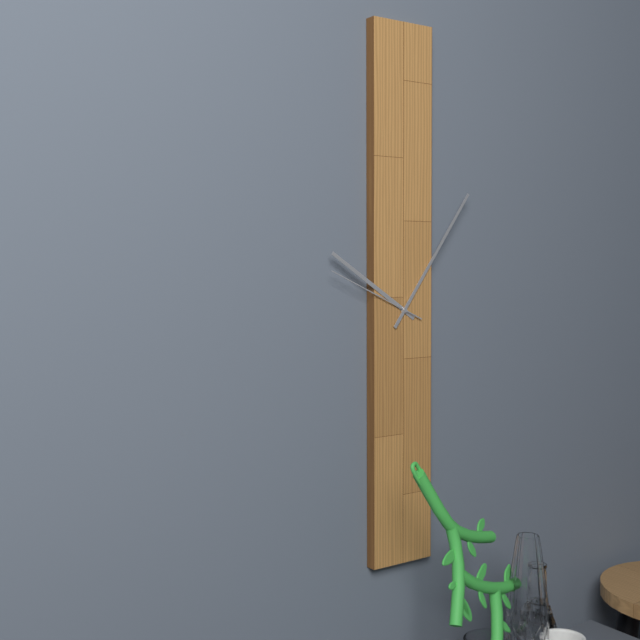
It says 10:06:49
